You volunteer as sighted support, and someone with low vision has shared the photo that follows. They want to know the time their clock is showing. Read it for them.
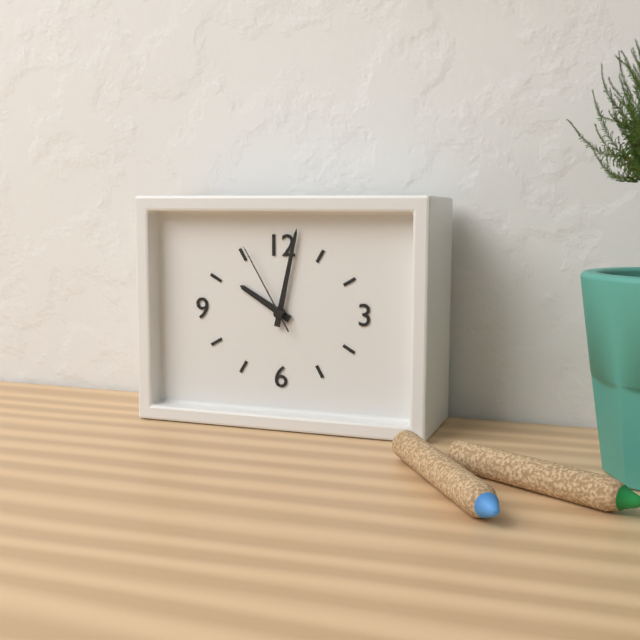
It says 10:02:55
